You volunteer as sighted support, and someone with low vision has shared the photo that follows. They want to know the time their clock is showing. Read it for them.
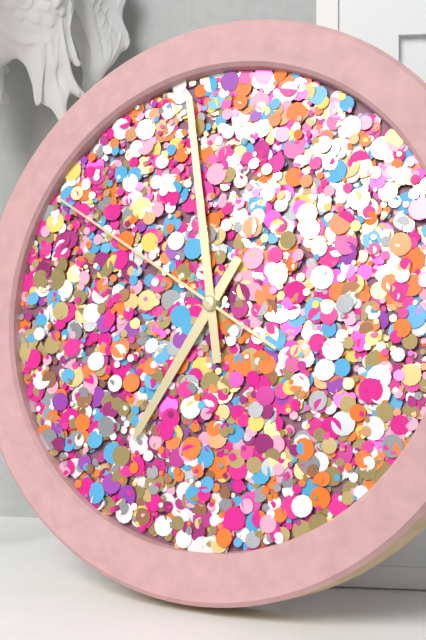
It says 6:58:50
